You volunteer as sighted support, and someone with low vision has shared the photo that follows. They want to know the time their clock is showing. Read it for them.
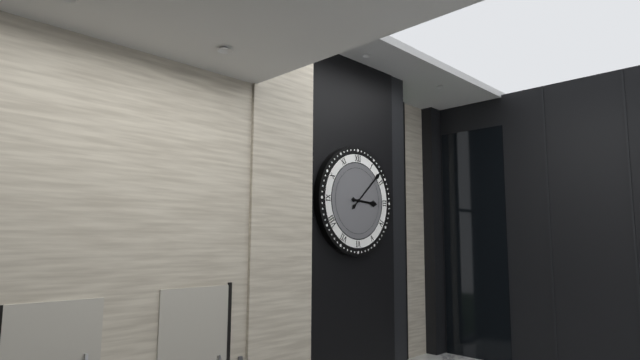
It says 3:08
